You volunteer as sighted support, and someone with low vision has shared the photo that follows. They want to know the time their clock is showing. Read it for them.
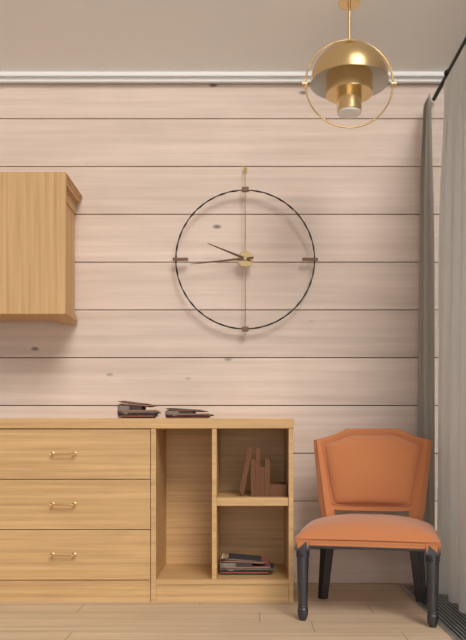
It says 9:44
